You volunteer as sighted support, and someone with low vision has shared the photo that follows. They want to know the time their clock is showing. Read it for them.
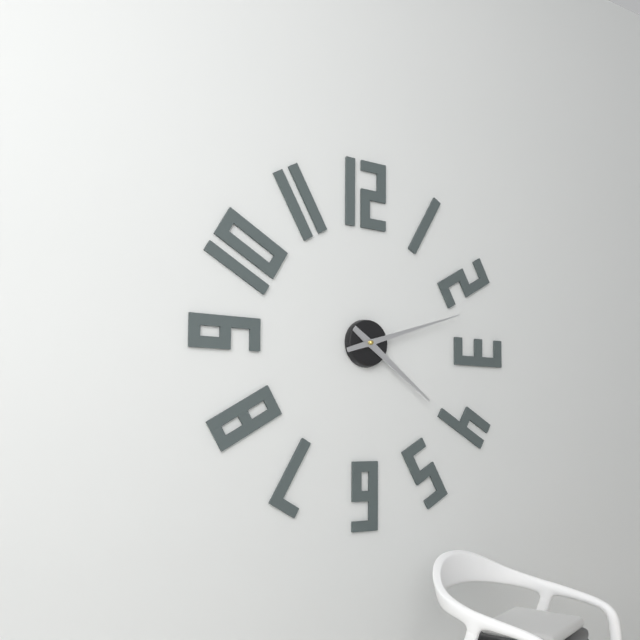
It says 4:12
